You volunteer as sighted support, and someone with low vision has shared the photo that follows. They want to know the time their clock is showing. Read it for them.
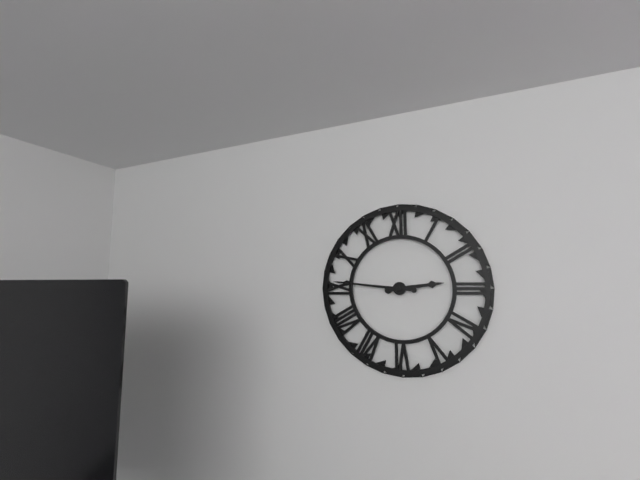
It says 2:46
